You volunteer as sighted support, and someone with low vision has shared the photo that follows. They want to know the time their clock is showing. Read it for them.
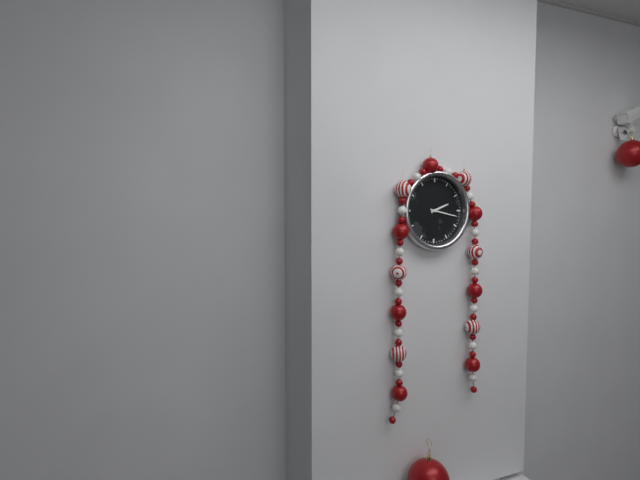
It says 2:17
